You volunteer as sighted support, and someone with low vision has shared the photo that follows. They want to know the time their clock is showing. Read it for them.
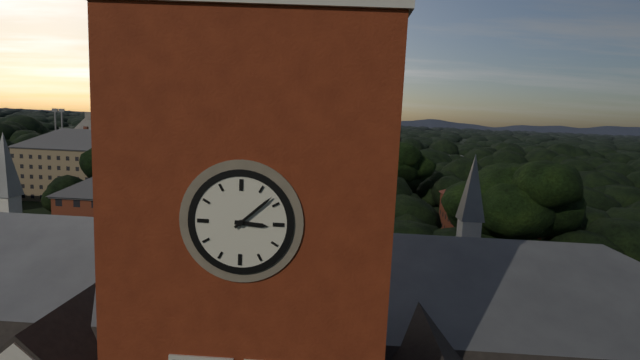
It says 3:08
